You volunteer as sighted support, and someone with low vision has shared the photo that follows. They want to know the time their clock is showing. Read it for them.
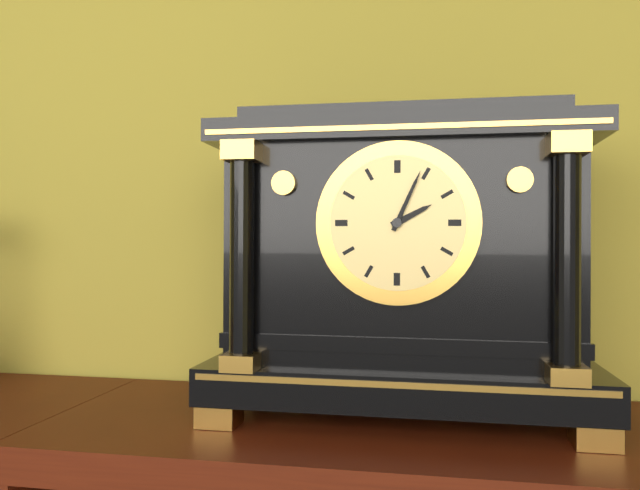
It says 2:04
